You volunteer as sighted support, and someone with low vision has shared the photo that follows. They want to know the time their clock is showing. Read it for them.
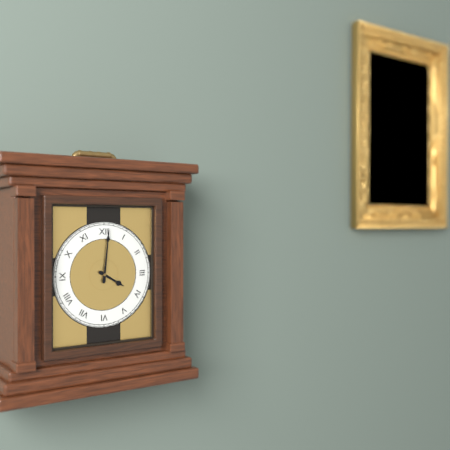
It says 4:01
